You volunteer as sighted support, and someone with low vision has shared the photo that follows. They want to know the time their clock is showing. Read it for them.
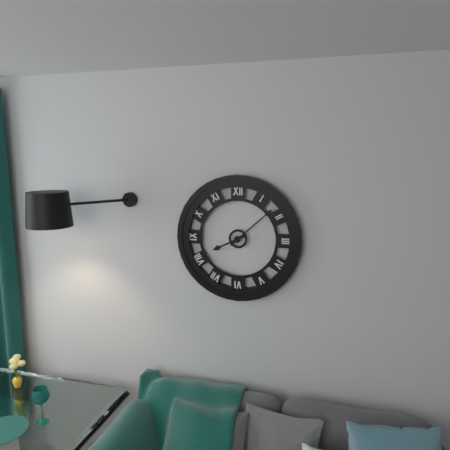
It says 8:08
